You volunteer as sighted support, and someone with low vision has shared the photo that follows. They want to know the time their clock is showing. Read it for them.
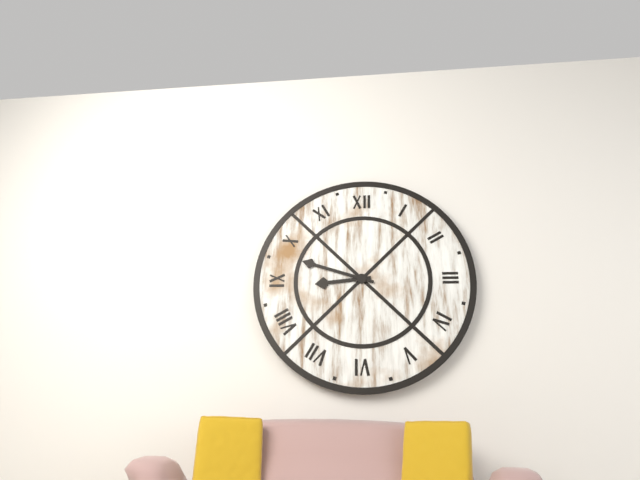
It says 8:48
